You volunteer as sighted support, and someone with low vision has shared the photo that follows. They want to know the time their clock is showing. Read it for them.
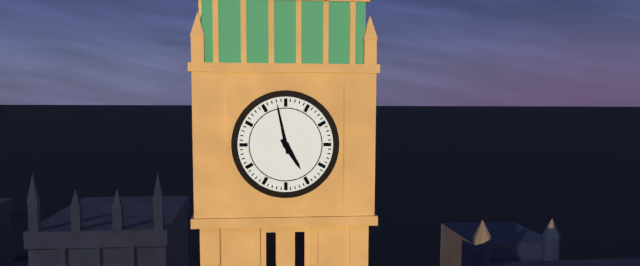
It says 4:58
